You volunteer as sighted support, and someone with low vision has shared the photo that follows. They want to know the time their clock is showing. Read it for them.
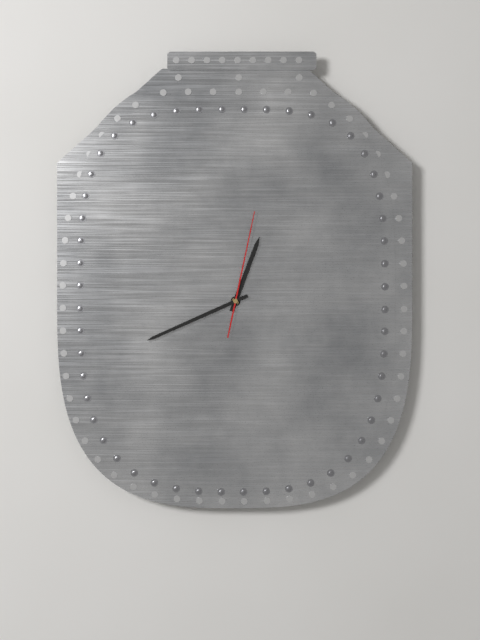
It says 12:41:02
